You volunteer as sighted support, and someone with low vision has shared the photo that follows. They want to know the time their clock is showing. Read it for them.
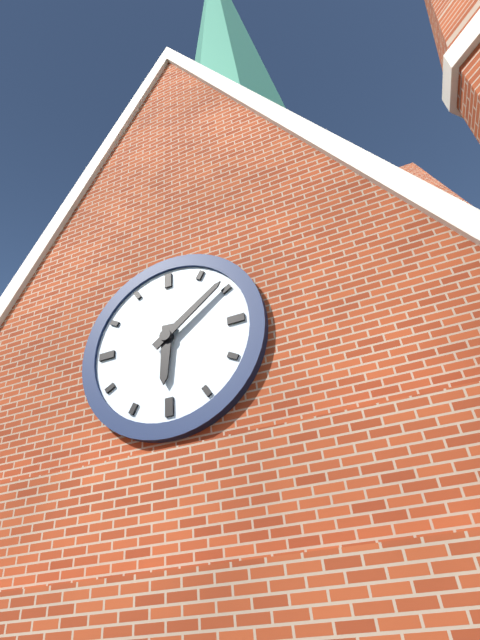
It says 6:09
